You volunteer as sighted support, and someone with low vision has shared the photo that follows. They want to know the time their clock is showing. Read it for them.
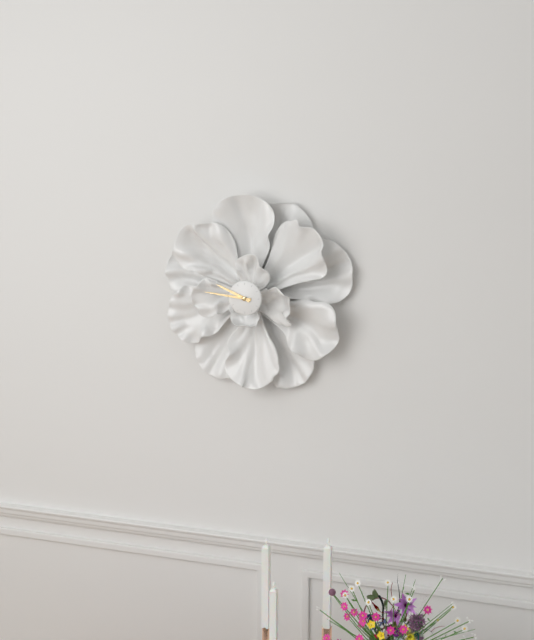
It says 9:46
